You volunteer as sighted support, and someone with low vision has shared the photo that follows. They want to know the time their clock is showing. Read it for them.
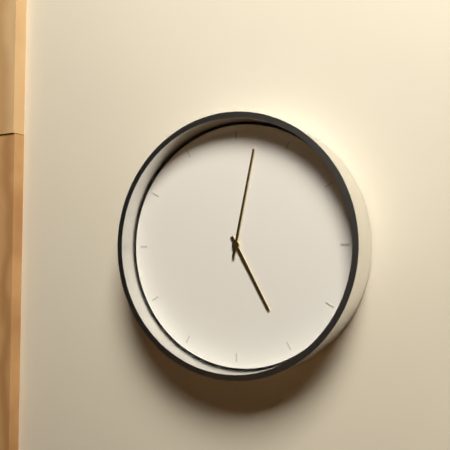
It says 5:02
